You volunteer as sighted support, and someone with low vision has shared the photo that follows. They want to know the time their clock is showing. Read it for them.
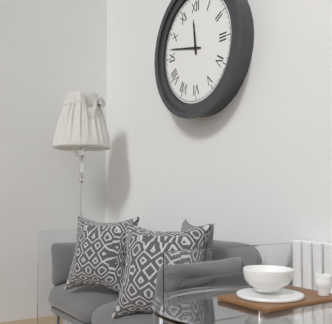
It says 11:47
